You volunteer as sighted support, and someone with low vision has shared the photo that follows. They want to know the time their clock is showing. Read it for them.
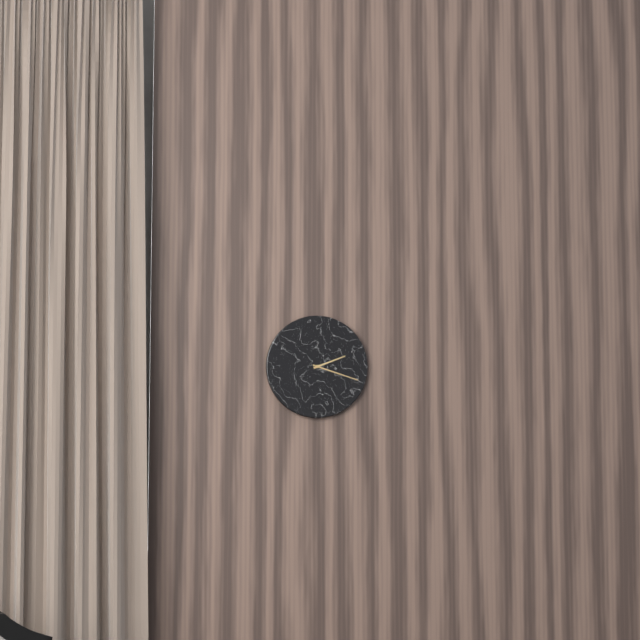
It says 2:18
